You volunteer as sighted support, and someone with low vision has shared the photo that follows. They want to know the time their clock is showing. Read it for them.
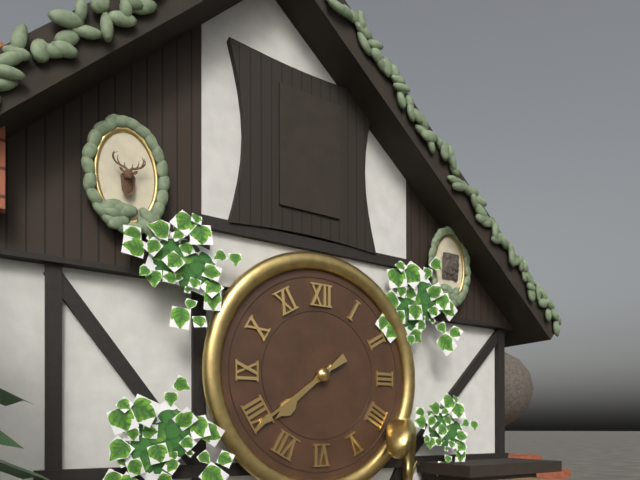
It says 7:39
